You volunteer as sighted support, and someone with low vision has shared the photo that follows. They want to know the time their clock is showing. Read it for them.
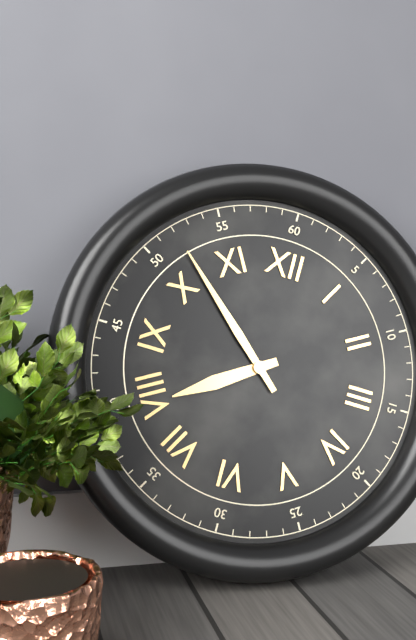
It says 7:52
